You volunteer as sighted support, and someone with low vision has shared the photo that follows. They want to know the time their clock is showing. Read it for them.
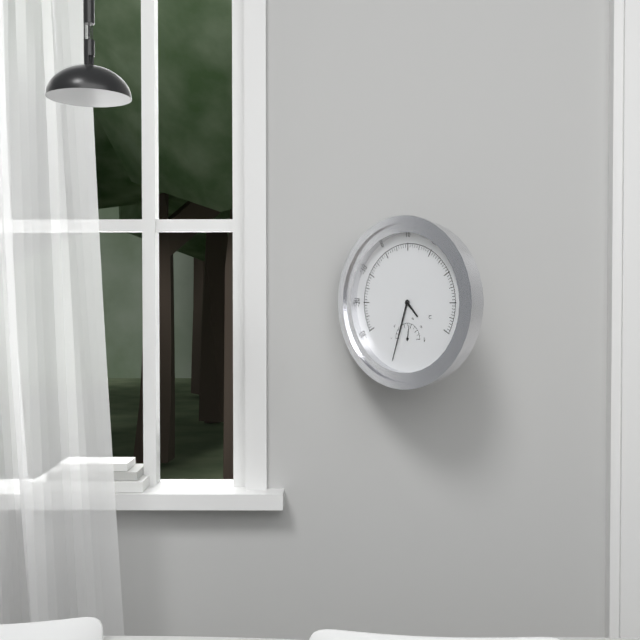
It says 4:33
